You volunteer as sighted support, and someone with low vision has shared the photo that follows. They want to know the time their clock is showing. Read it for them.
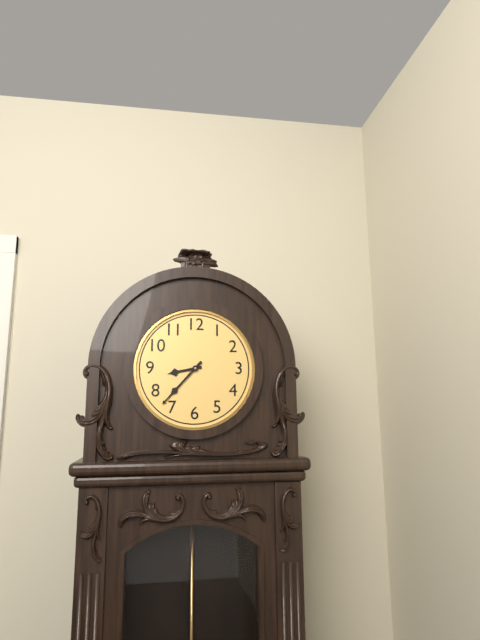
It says 8:37
